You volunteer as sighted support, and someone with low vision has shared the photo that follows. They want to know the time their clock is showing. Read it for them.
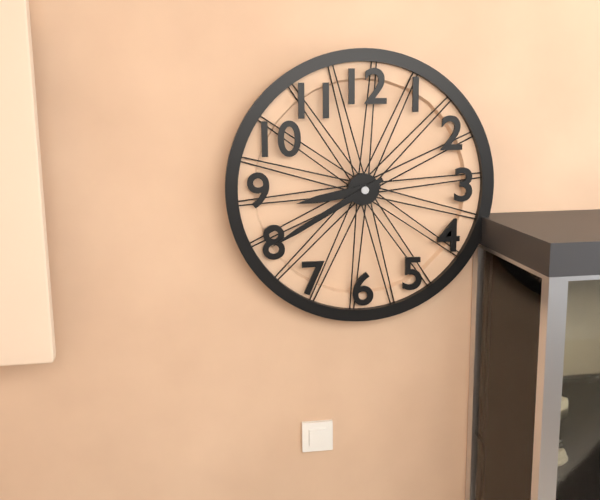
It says 8:40
